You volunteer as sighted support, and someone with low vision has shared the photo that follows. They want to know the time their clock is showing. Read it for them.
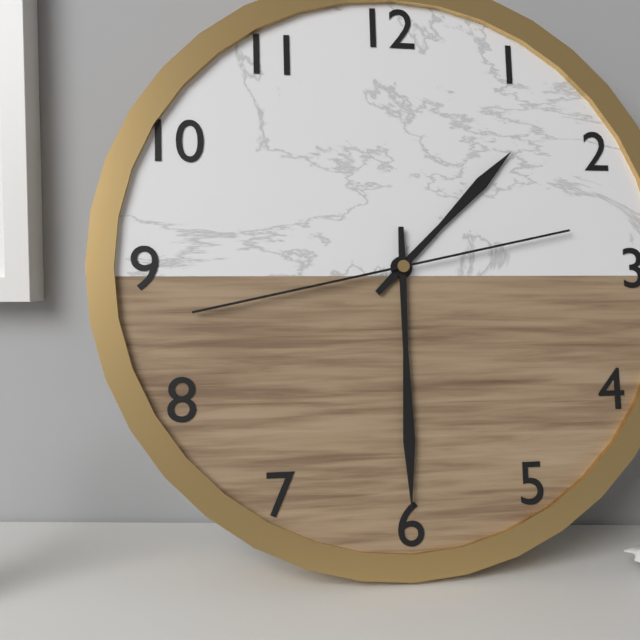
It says 1:30:43
